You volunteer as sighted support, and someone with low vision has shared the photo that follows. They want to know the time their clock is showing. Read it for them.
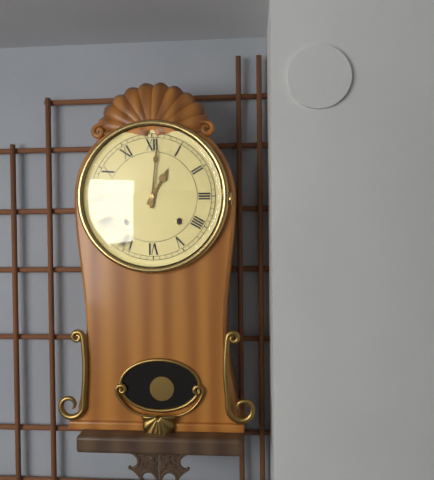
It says 1:01
